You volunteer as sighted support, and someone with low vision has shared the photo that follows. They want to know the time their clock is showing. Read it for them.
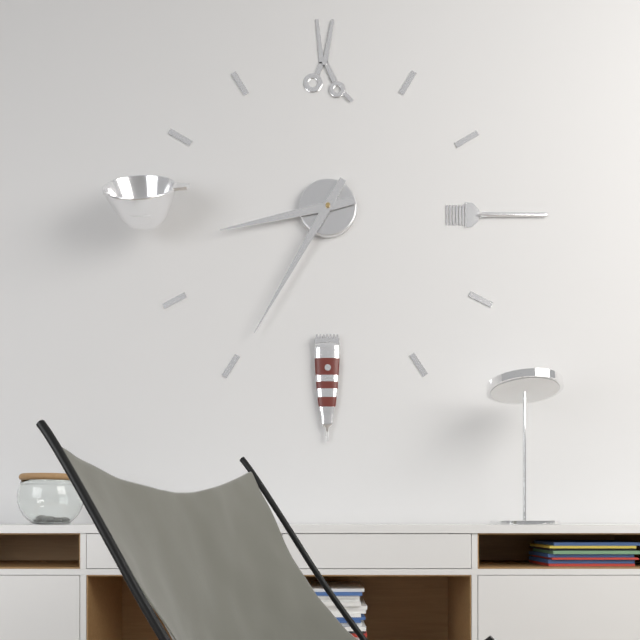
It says 8:35
